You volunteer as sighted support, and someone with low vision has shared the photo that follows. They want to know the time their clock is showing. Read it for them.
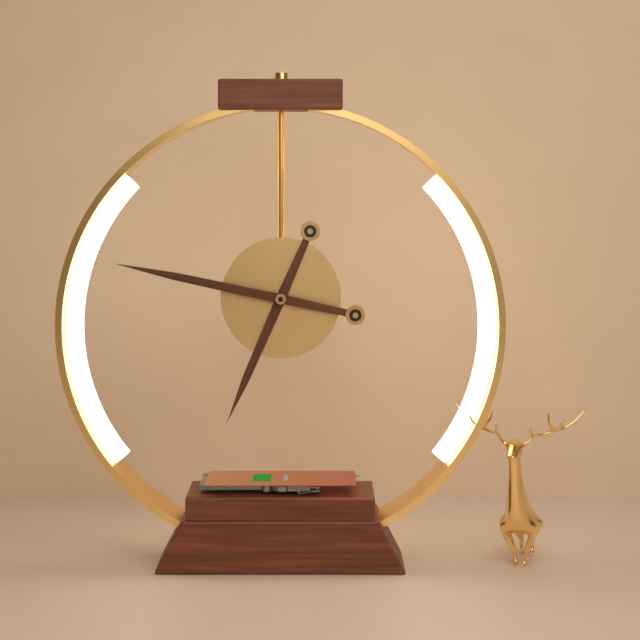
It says 6:47
